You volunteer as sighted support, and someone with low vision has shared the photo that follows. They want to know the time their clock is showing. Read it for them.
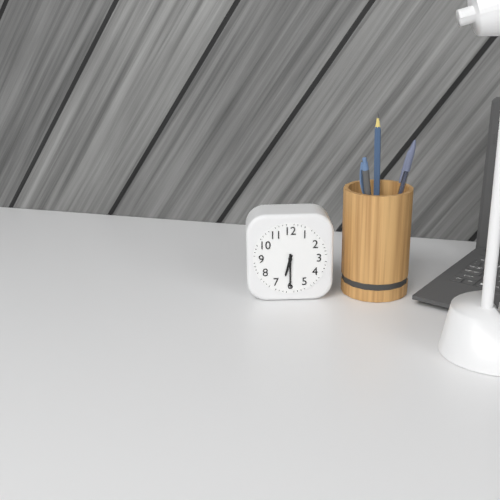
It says 6:30
